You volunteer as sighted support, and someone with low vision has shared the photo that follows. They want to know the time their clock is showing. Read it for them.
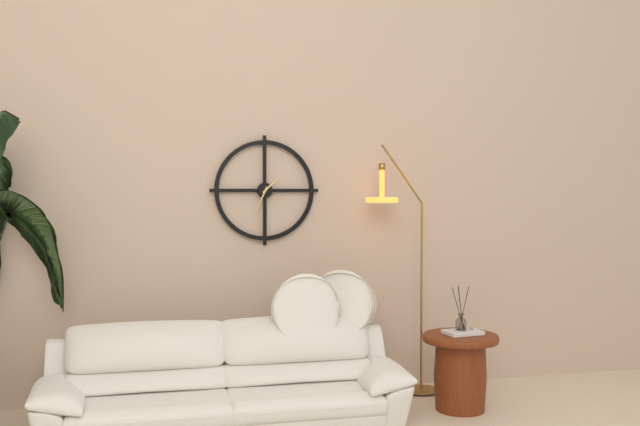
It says 1:34
